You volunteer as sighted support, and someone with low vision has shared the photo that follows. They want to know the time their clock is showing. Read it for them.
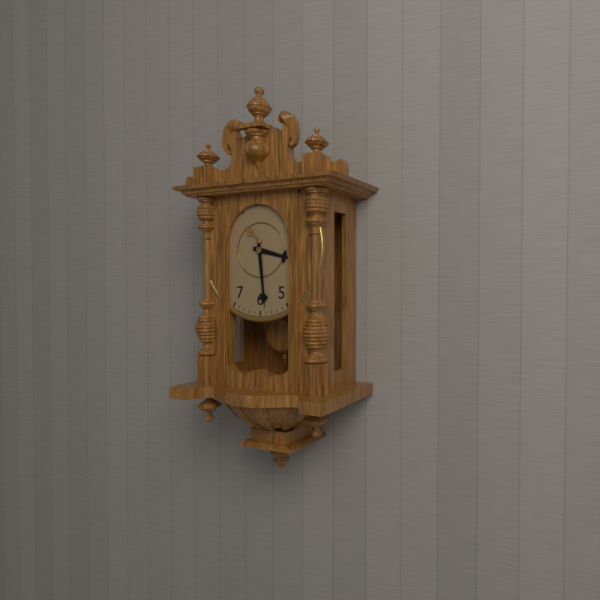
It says 3:29
